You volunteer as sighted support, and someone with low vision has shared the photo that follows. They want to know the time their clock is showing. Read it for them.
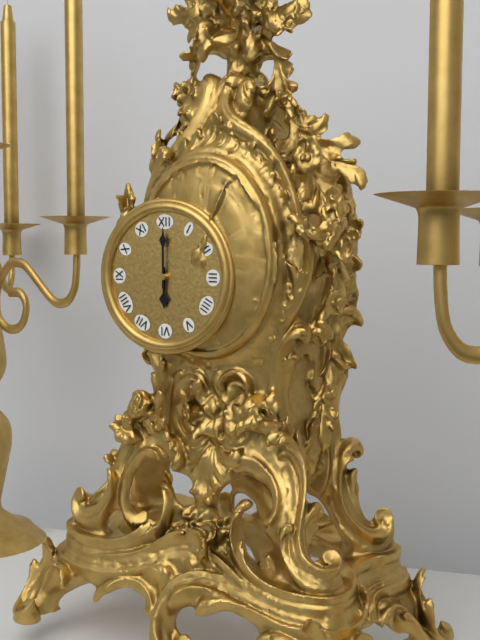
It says 6:00
